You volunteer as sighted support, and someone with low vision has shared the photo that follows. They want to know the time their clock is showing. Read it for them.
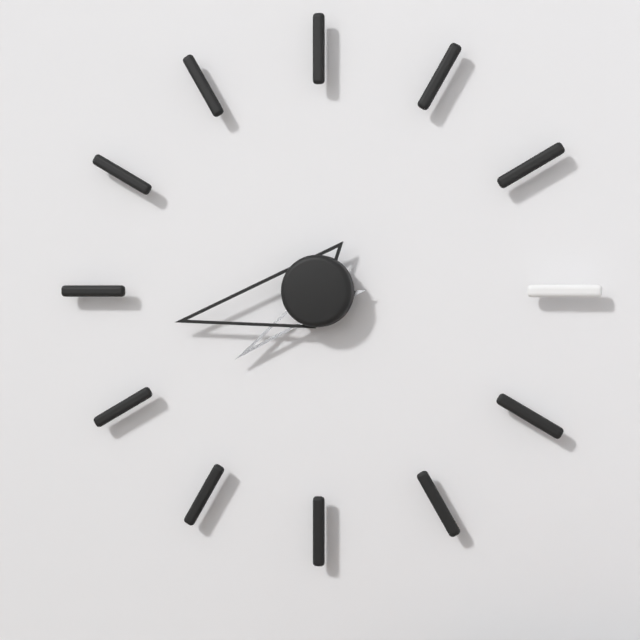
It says 7:43
